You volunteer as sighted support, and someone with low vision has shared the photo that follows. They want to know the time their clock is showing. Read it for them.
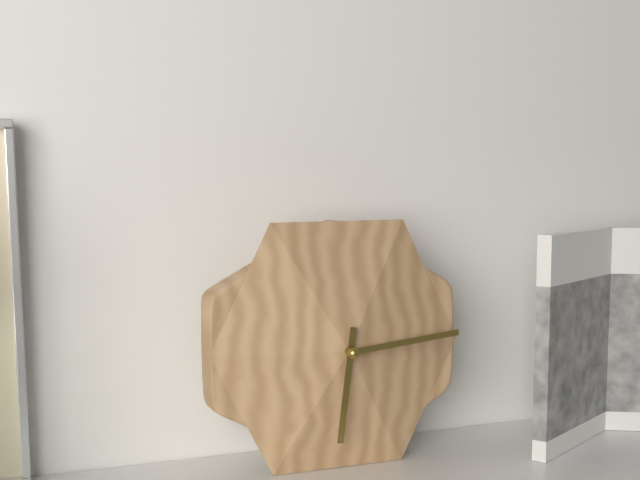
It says 6:14
